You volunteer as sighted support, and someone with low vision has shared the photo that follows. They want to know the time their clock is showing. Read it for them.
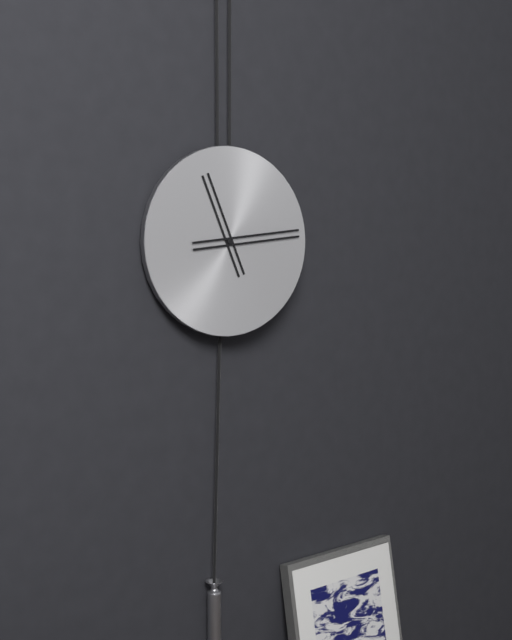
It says 11:14
